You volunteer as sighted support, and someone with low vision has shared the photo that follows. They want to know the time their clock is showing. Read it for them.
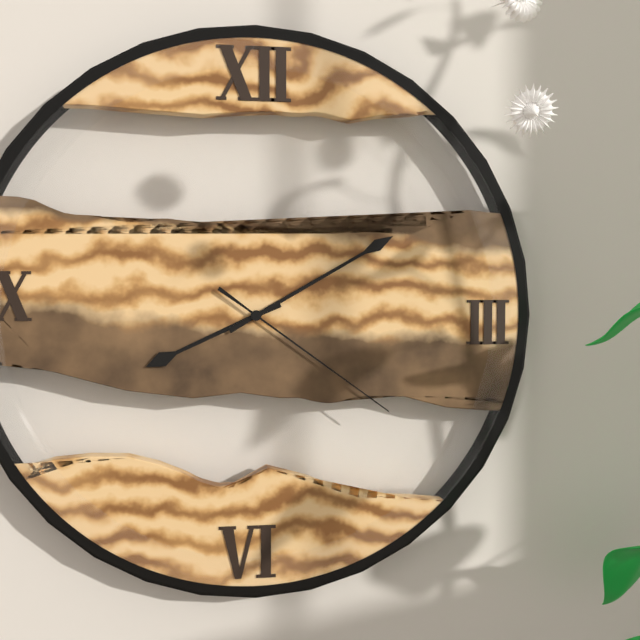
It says 8:10:21
